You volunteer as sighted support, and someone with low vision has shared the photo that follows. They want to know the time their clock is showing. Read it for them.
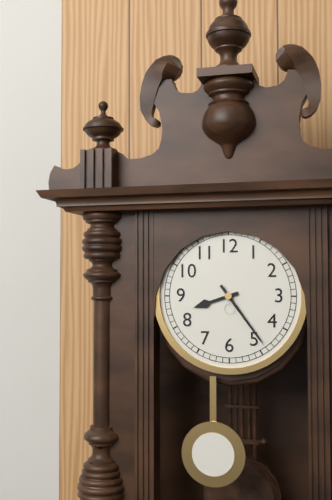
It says 8:24
